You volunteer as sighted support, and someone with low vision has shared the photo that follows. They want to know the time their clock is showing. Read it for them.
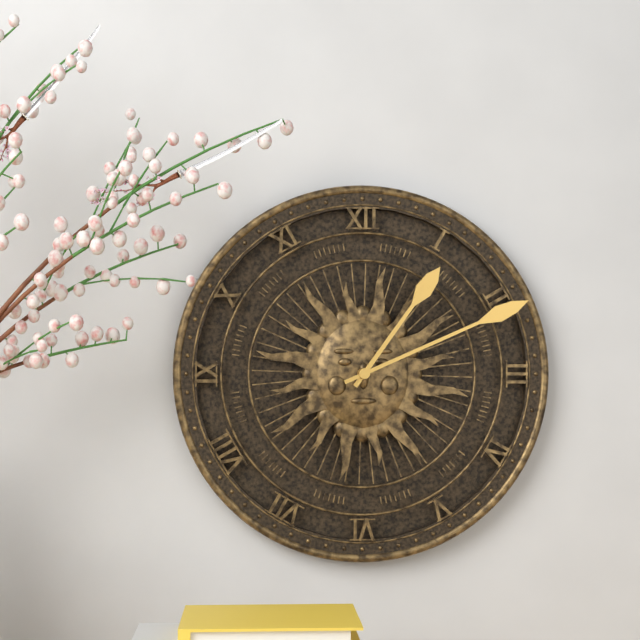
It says 1:11
